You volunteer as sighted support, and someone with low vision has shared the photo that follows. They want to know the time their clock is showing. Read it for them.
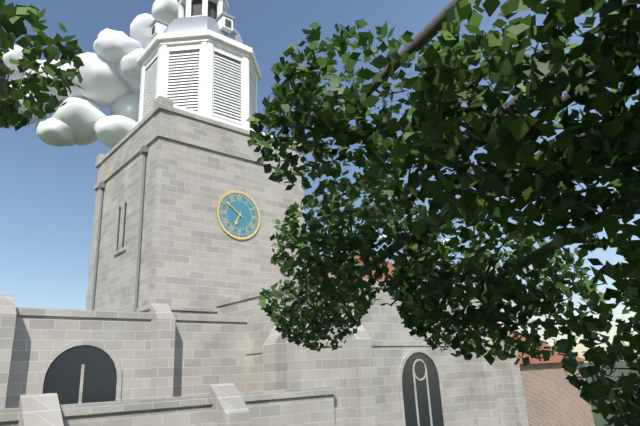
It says 6:51
